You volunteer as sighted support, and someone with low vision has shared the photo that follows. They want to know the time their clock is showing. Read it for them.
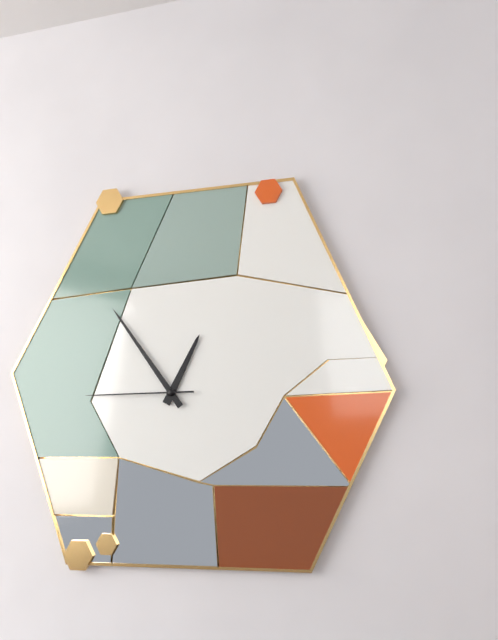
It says 12:54:45
